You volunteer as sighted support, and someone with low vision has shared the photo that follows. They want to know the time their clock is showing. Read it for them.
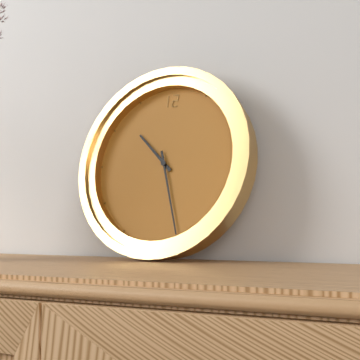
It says 10:27
